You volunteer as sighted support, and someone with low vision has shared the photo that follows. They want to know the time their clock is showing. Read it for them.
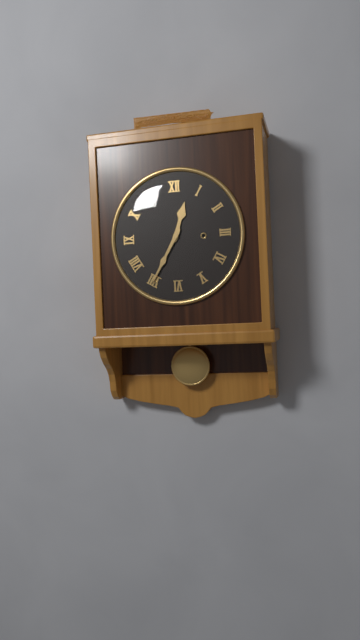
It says 12:35
